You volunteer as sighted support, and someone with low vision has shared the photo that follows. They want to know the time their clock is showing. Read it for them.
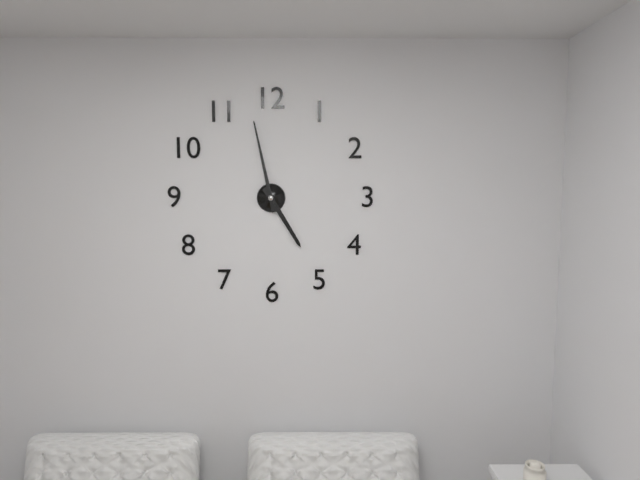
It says 4:58
